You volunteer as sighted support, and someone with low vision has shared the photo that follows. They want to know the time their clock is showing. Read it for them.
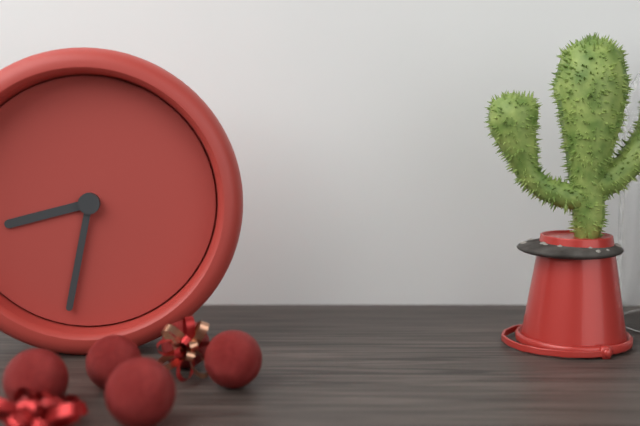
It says 8:32
